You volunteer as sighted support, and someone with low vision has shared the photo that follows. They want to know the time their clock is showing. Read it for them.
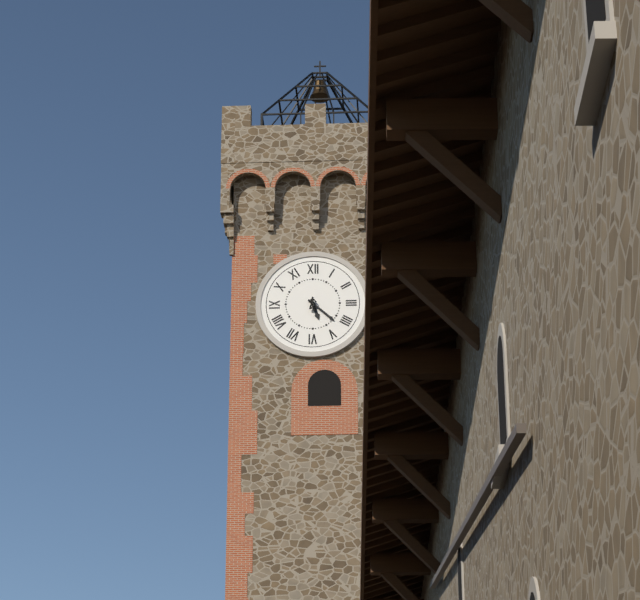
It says 5:22
